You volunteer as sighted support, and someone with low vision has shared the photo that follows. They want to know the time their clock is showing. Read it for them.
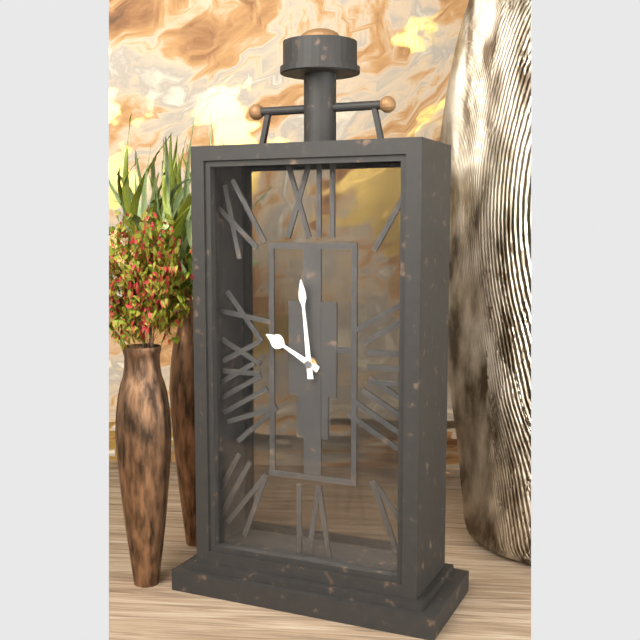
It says 9:59
